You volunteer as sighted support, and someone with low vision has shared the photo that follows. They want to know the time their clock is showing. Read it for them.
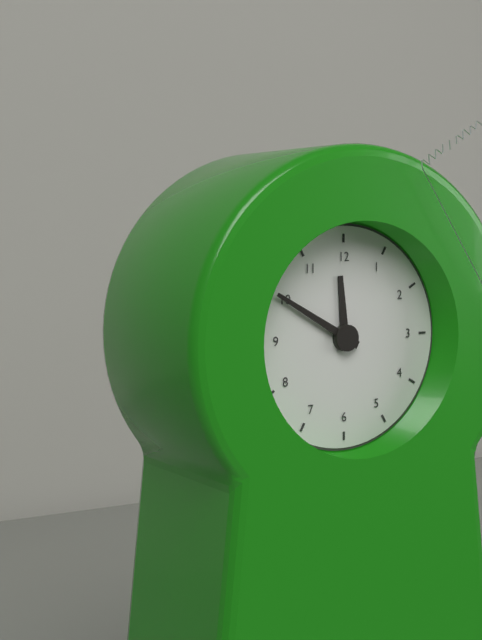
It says 11:50
